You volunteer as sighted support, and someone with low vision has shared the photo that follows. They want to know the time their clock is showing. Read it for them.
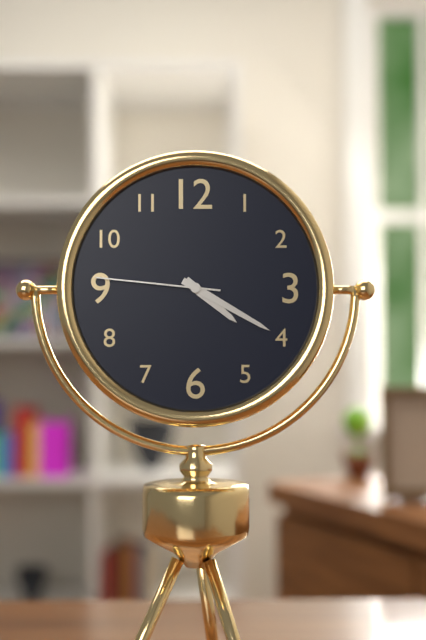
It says 4:20:46
